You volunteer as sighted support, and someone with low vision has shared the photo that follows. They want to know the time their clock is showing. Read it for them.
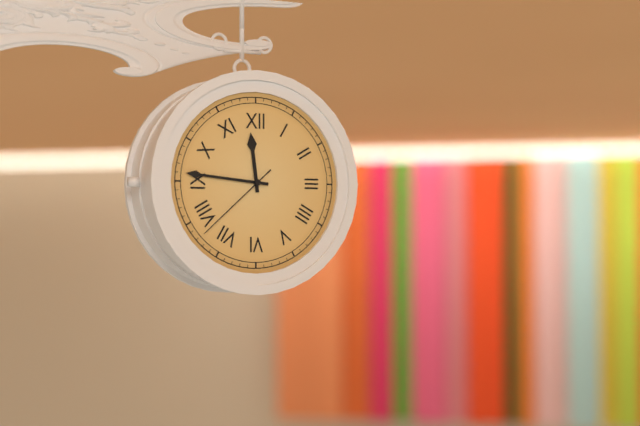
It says 11:46:38
